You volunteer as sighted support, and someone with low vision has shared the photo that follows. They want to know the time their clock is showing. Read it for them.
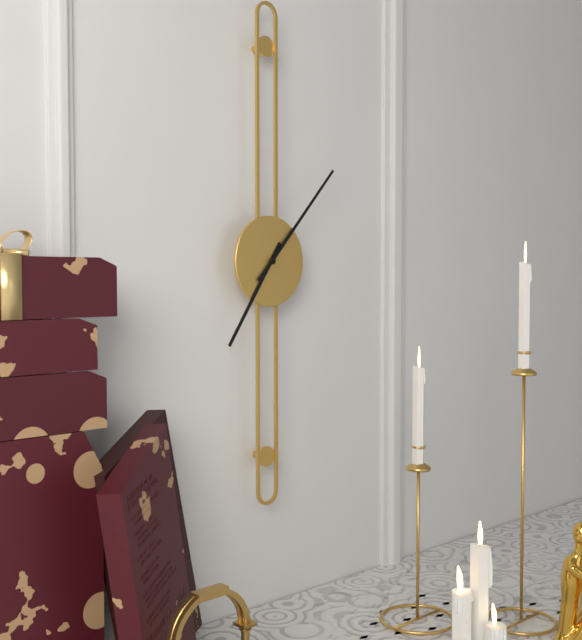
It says 7:07
